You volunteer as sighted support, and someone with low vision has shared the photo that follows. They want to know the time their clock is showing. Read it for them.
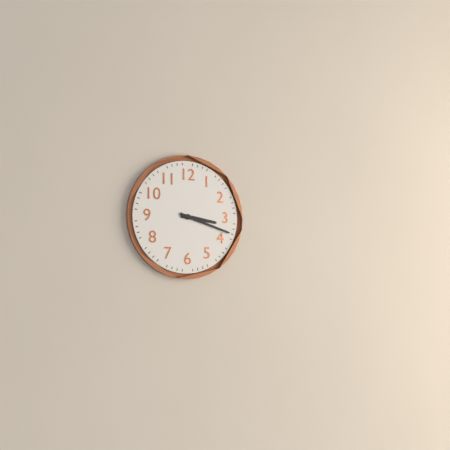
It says 3:18
